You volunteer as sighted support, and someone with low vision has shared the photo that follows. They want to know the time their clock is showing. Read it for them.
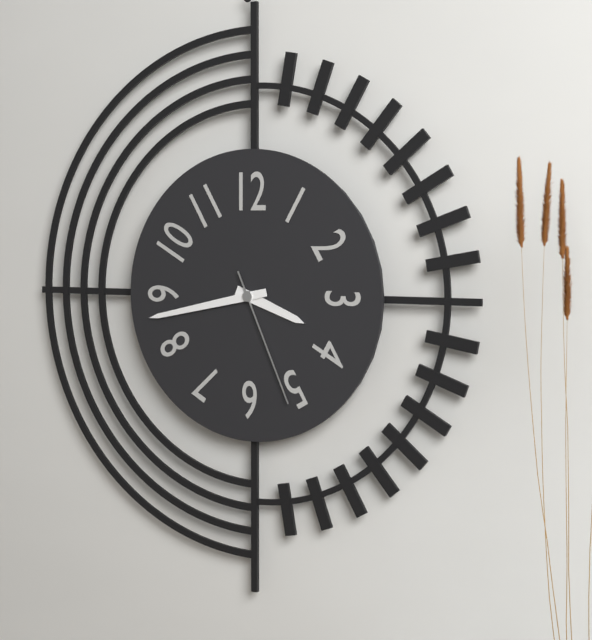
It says 3:43:26
